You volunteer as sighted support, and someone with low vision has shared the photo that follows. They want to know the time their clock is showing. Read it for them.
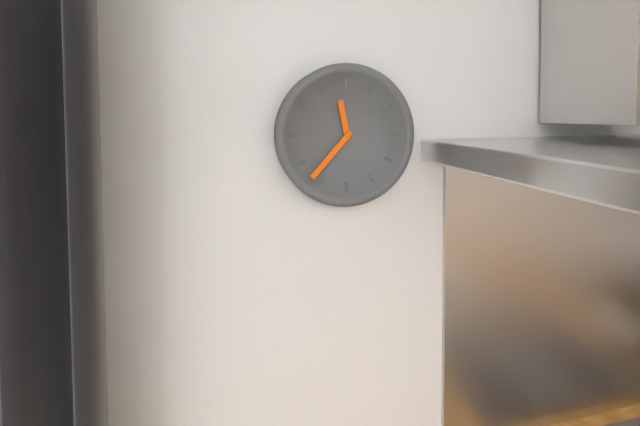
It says 11:37
